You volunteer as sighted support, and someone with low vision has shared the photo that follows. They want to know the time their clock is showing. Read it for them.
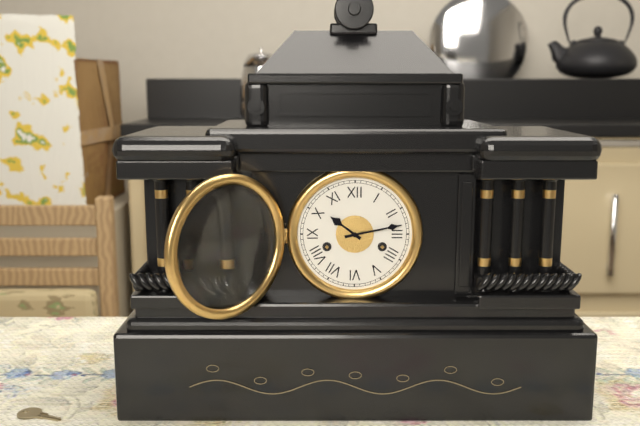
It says 10:13
